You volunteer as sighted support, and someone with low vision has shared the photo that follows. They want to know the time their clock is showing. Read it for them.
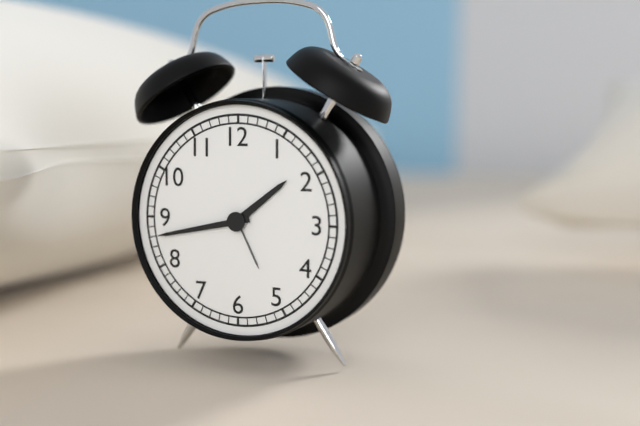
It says 1:43
